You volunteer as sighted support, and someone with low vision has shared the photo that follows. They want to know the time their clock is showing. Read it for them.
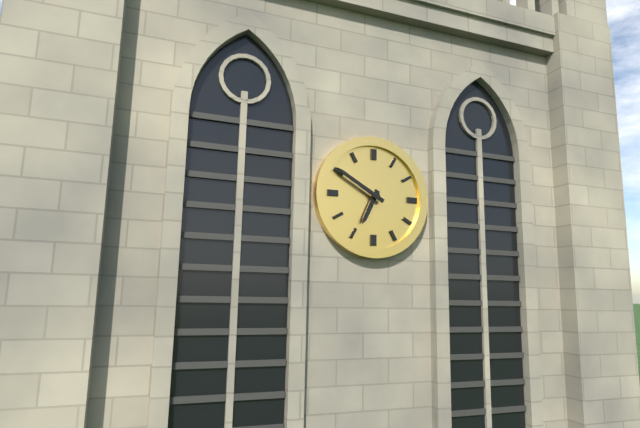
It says 6:50
